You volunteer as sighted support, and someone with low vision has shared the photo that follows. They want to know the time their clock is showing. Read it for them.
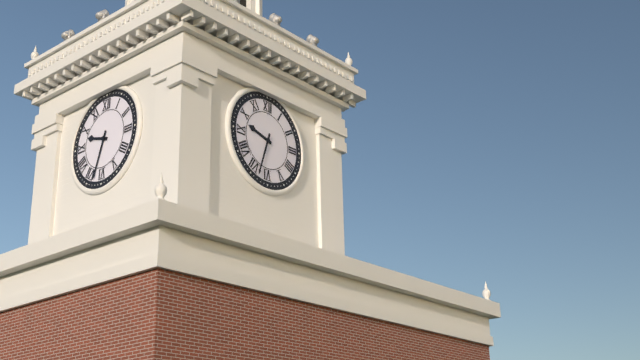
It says 9:33
